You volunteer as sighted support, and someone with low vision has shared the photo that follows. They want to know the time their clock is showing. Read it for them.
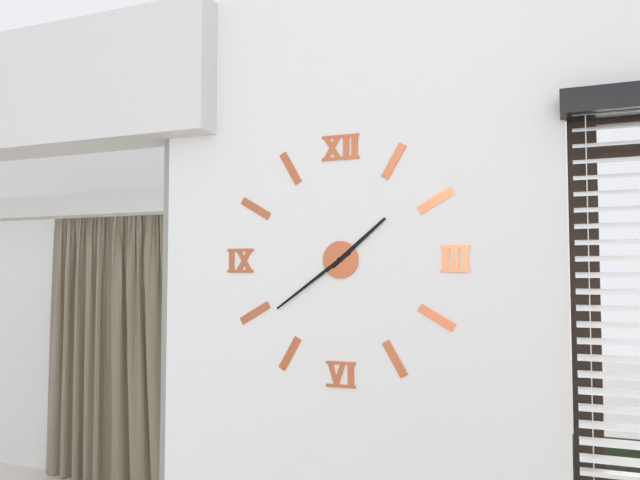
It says 1:39
